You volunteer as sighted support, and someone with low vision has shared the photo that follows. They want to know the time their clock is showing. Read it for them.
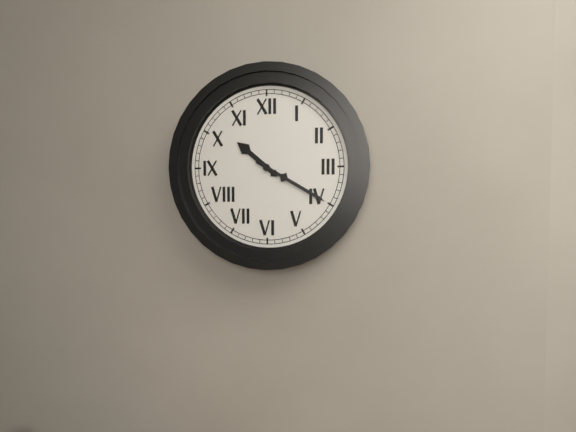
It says 10:20
